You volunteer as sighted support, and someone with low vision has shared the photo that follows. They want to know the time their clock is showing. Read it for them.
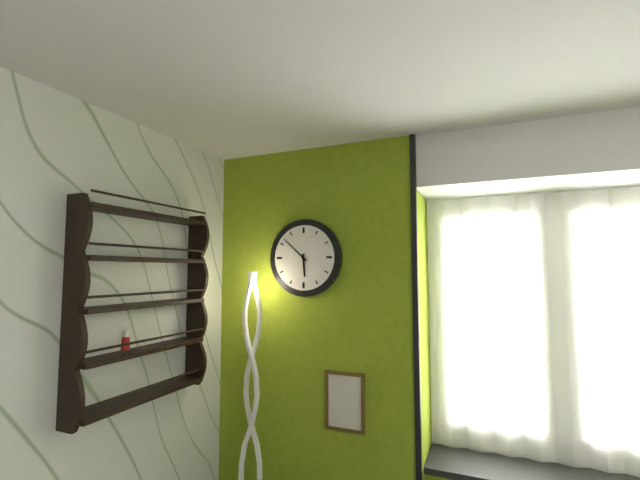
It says 5:52
